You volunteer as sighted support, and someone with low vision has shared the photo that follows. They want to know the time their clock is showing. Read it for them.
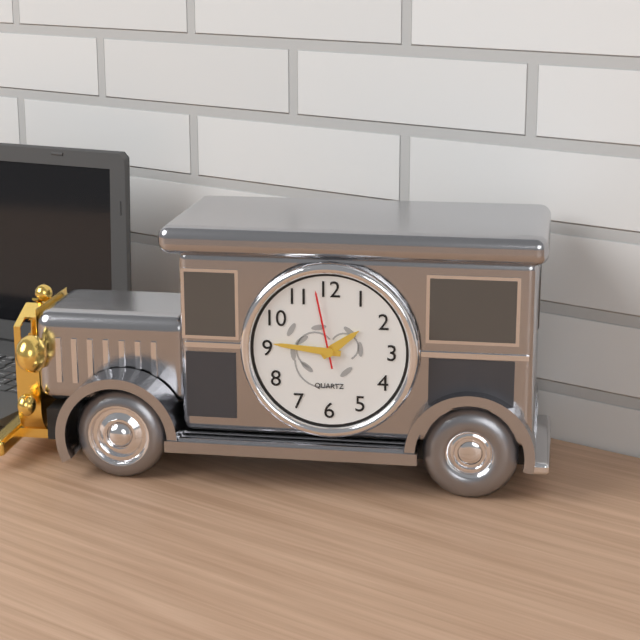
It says 1:46:58
